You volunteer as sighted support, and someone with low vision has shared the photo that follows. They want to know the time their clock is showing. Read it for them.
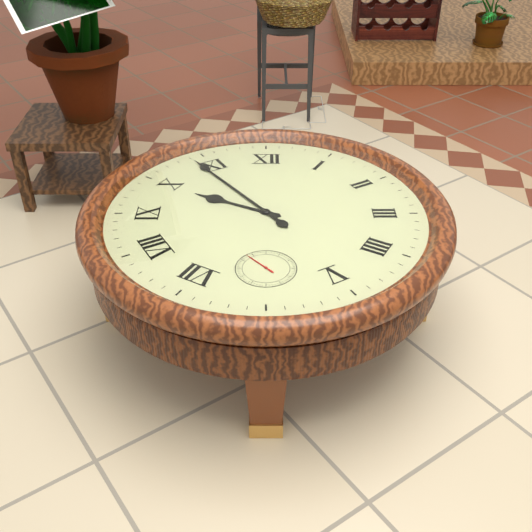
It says 9:54
